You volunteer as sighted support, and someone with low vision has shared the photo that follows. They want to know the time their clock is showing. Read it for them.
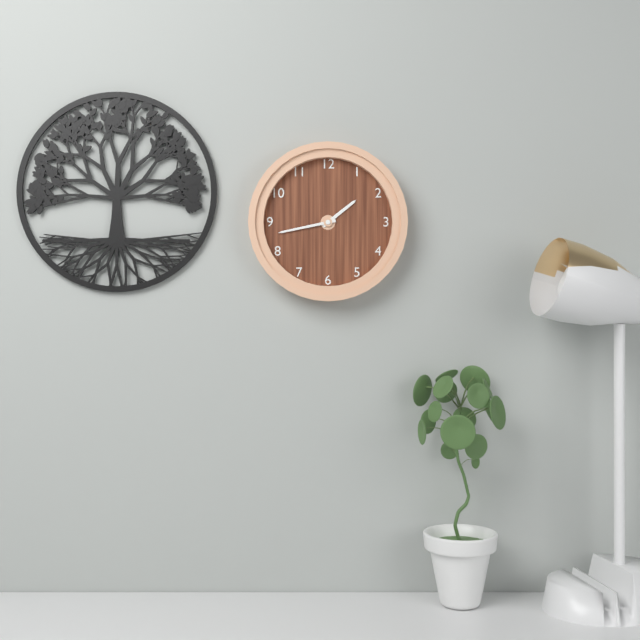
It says 1:43
